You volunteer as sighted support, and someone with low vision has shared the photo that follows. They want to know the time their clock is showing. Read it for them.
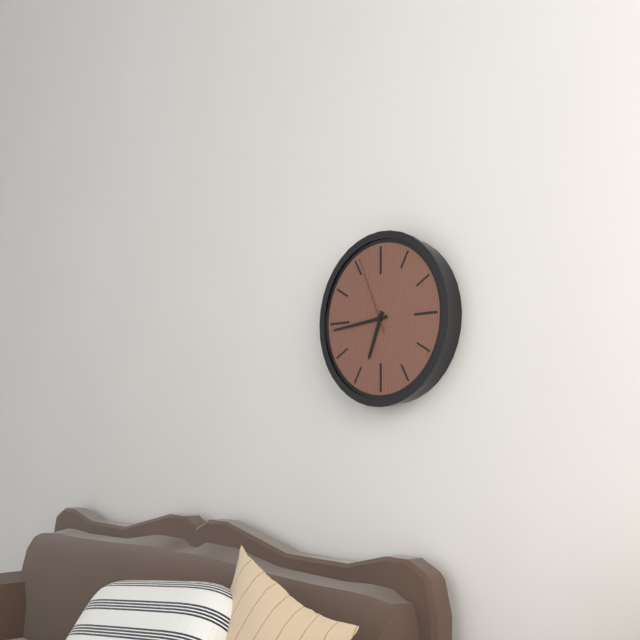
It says 6:44:56
